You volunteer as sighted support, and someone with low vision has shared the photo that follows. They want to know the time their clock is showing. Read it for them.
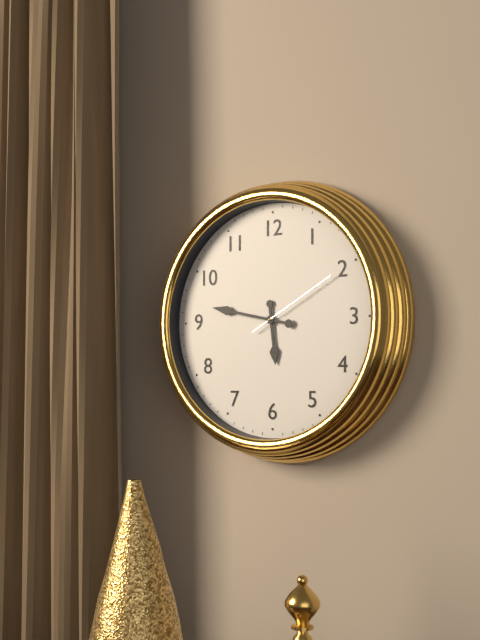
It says 5:47:10
